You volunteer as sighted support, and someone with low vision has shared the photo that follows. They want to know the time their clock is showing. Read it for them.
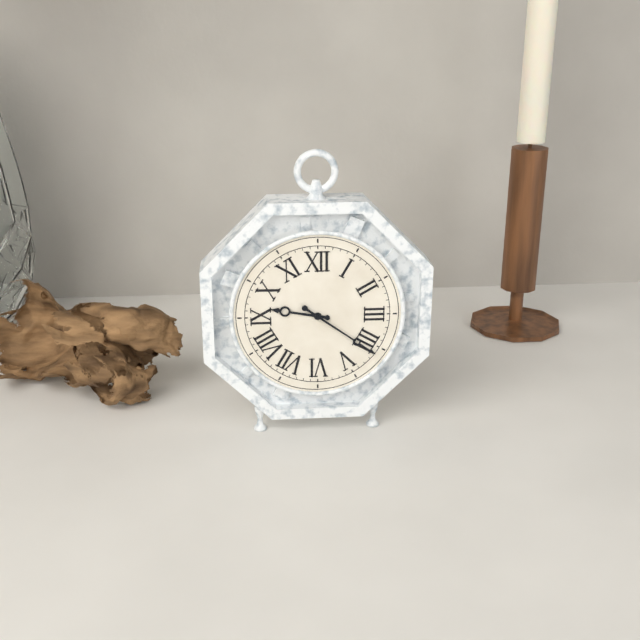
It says 9:21
